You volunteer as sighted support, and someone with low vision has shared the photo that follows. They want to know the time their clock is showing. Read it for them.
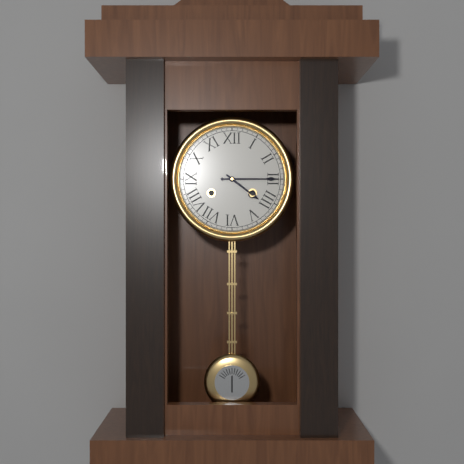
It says 4:15
